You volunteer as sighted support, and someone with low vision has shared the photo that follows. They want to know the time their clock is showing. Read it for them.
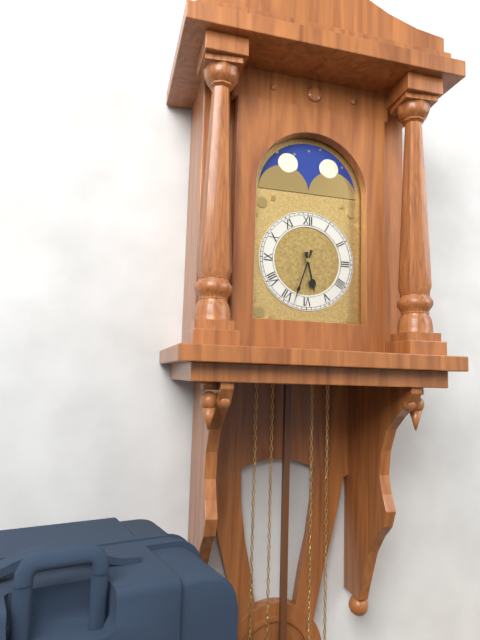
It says 5:33
